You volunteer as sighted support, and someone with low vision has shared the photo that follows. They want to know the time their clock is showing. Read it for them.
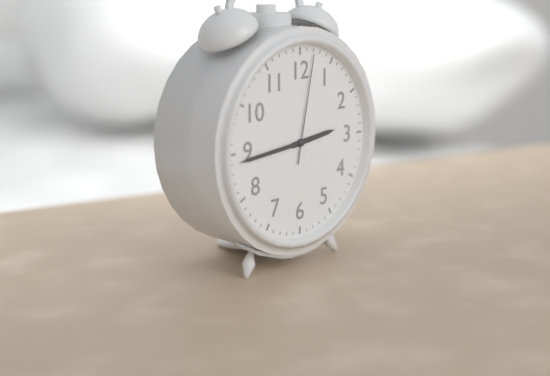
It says 2:44:02
